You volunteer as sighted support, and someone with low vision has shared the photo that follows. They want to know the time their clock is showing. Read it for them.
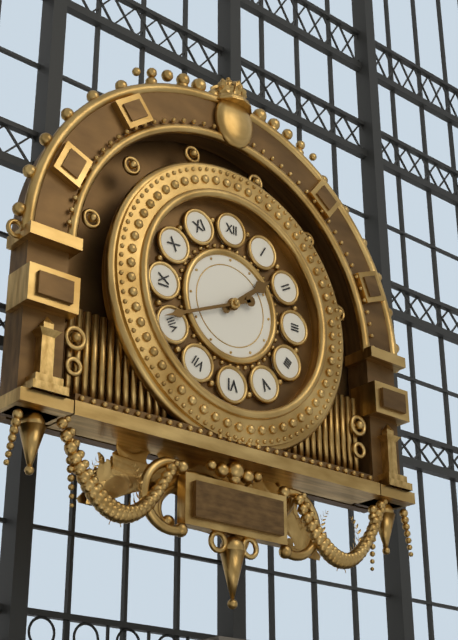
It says 1:41
